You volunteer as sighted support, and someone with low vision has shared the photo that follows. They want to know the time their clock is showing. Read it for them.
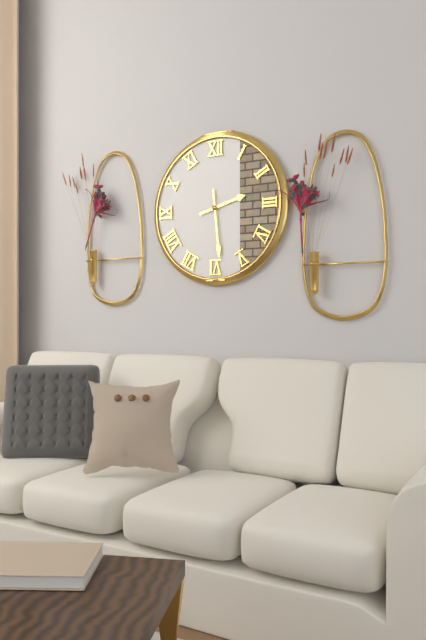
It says 2:29
